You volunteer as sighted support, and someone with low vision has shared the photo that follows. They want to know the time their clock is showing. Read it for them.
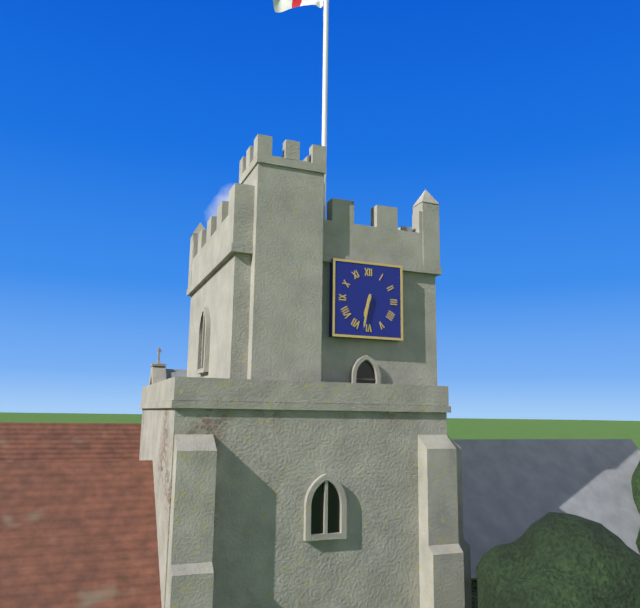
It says 6:32
